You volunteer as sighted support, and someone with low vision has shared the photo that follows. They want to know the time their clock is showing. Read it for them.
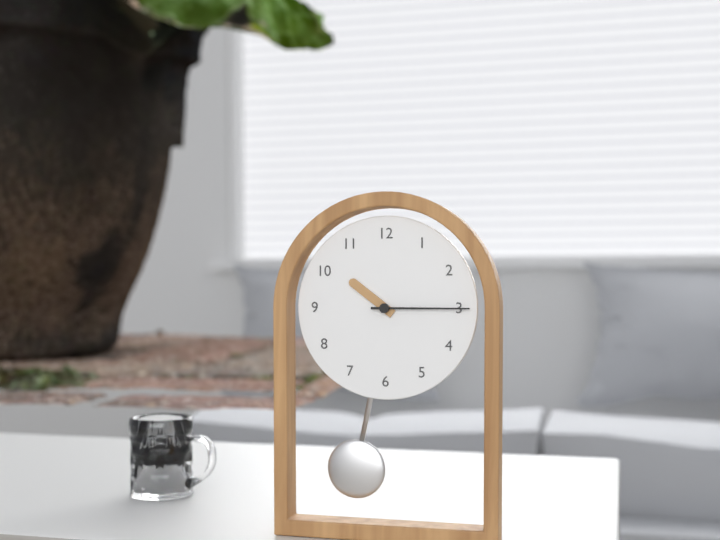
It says 10:15
